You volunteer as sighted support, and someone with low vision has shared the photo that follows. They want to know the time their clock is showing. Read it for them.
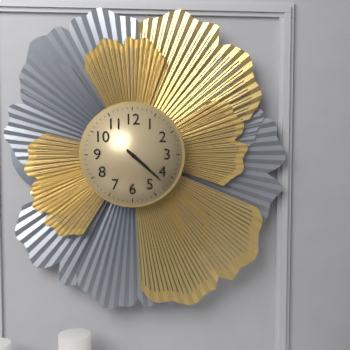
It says 4:22
